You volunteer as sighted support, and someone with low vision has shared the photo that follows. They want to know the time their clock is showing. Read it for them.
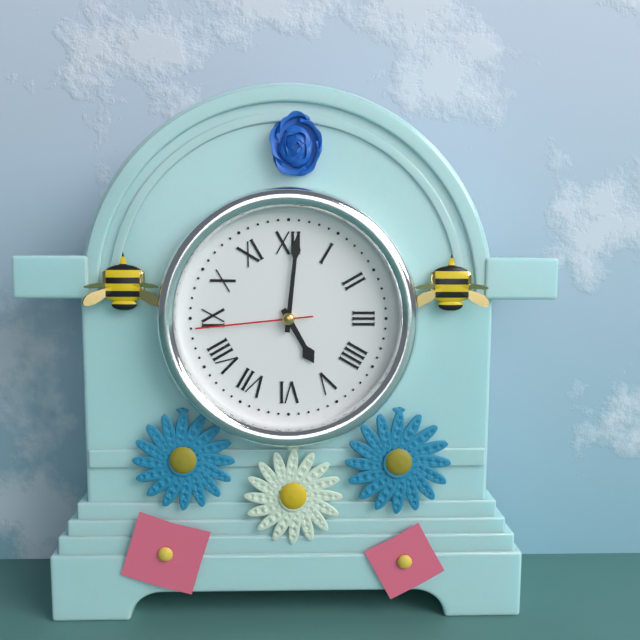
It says 5:01:44
